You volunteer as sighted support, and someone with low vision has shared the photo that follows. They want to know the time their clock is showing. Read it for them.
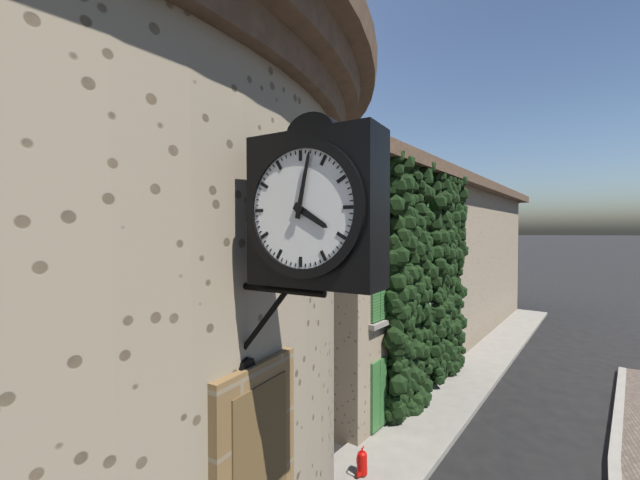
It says 4:02
